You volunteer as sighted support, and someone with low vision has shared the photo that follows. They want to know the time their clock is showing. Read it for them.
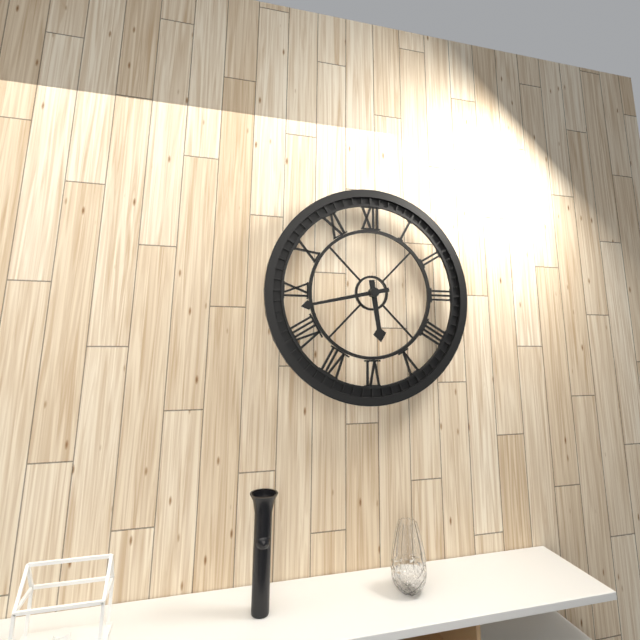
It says 5:43
